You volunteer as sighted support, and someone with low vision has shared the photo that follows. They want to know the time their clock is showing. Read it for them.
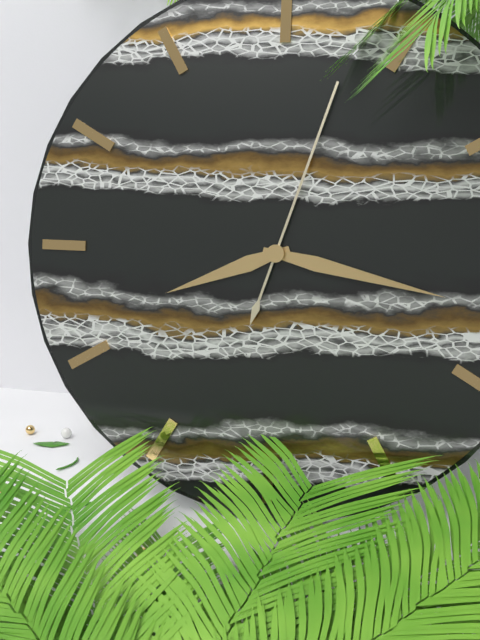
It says 8:17:03
